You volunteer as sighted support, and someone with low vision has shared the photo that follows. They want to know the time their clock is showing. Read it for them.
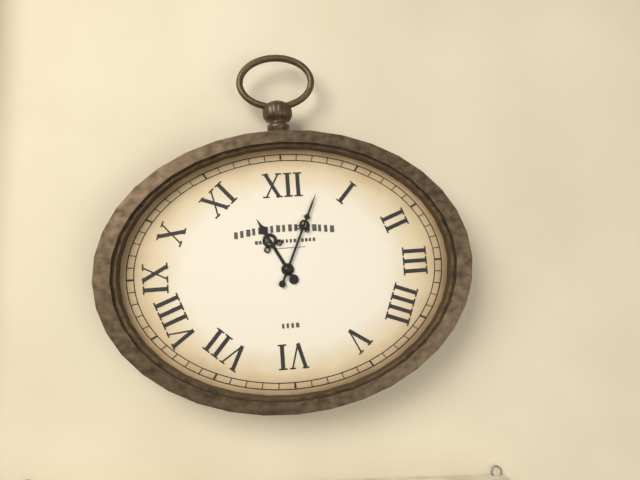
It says 11:04
